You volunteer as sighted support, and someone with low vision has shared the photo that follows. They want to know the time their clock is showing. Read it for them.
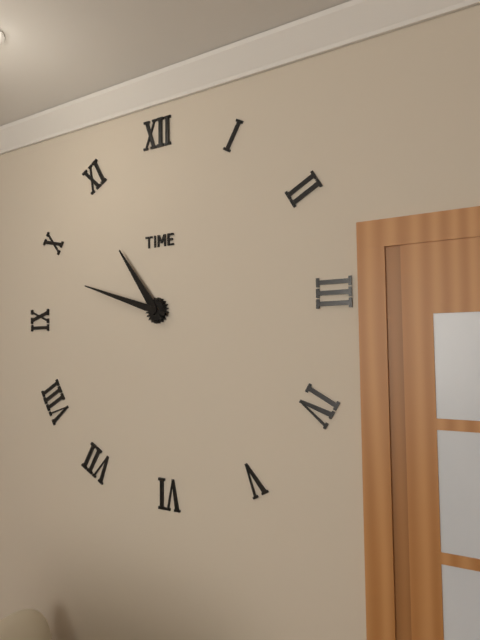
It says 10:48
